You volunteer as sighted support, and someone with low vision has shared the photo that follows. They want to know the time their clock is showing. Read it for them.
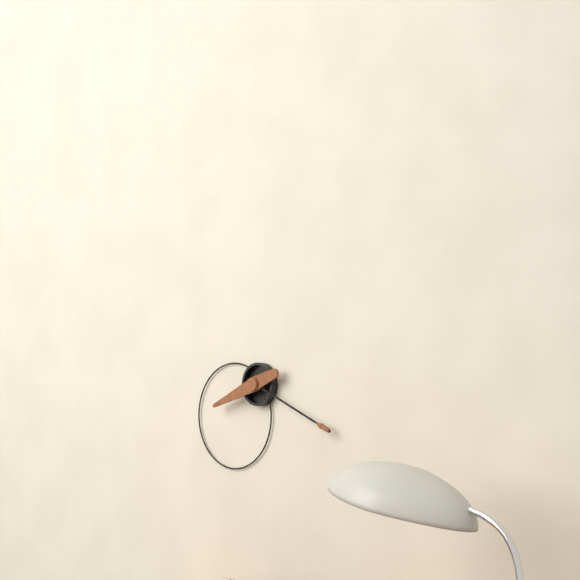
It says 8:19
